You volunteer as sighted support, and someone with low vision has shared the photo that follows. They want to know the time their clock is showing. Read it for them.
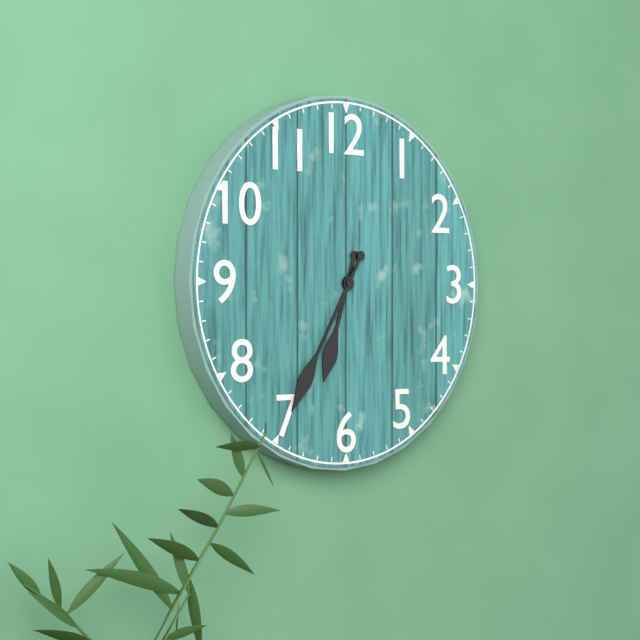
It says 6:35
